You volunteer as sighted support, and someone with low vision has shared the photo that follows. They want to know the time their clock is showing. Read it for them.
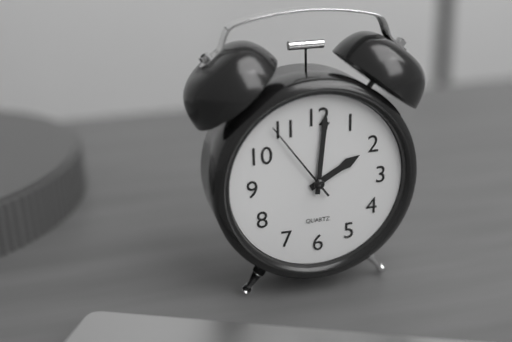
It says 2:01:54
